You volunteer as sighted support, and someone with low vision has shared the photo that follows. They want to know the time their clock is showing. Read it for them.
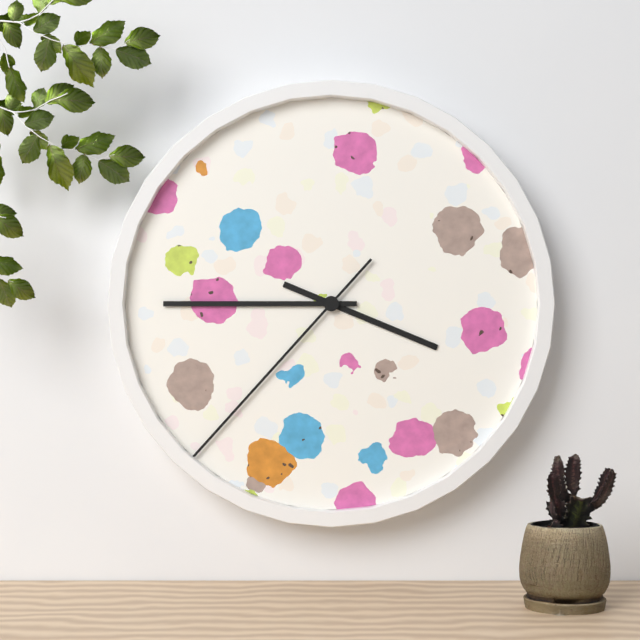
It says 3:45:37
